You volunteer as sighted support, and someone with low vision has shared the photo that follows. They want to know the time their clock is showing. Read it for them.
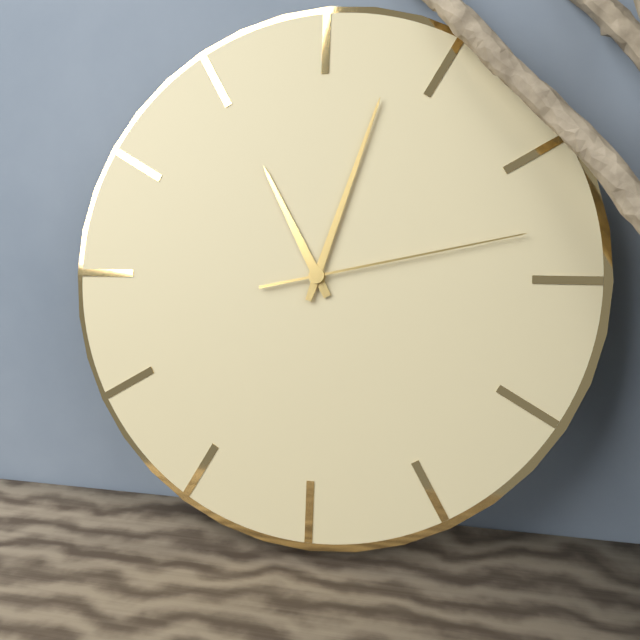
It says 11:03:13
